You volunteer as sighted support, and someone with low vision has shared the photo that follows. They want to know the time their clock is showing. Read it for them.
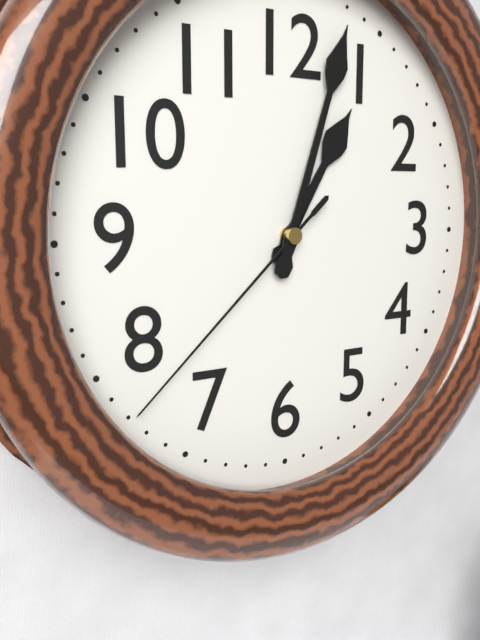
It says 1:03:38
